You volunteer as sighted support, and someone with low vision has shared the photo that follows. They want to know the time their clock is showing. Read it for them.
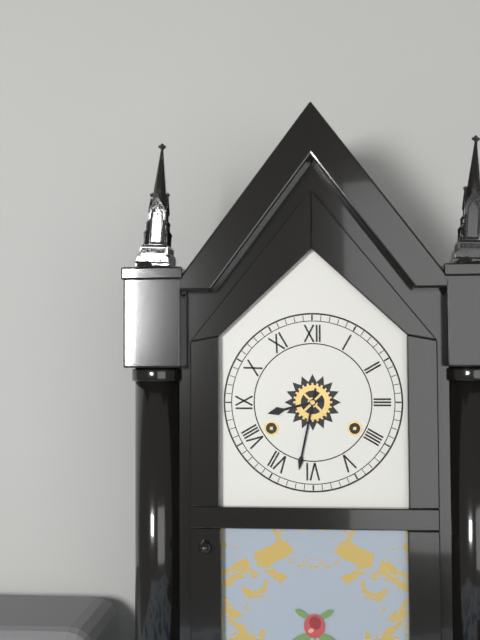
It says 8:32
